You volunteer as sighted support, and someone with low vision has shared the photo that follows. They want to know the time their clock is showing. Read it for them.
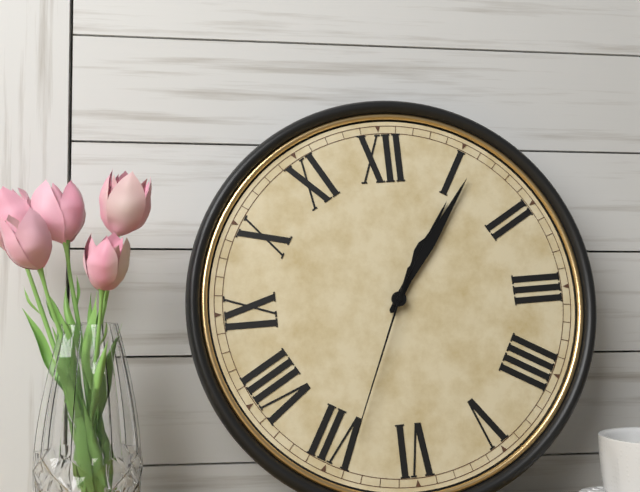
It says 1:06:34
